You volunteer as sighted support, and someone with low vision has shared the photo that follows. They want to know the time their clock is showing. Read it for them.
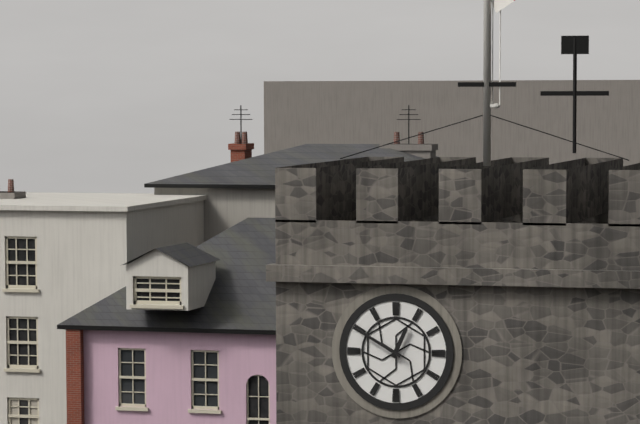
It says 12:50
